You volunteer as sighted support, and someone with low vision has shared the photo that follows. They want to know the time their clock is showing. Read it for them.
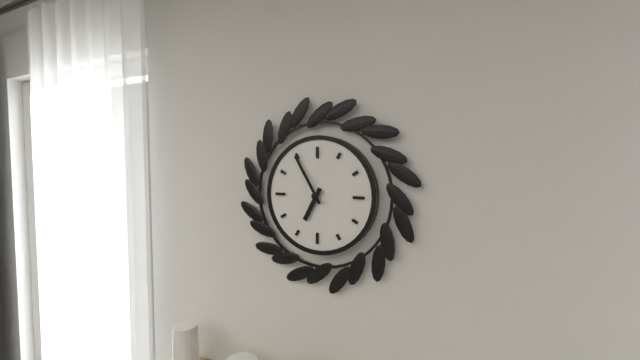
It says 6:55
